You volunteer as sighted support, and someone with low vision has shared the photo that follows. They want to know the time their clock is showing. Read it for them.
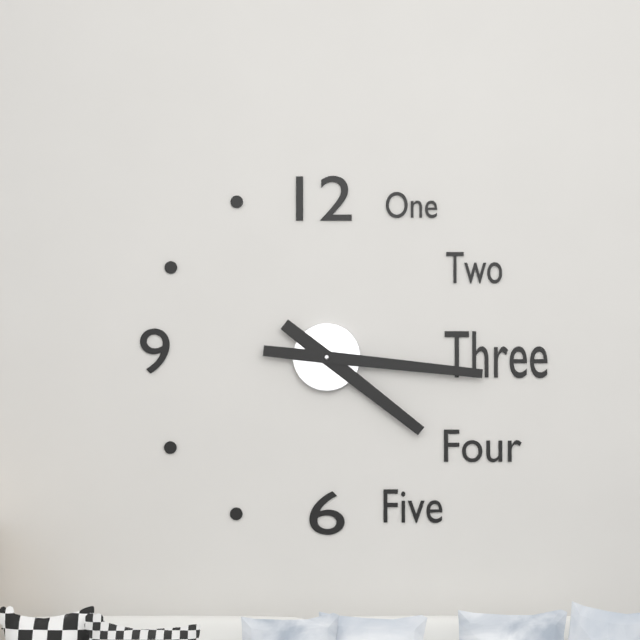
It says 4:16
